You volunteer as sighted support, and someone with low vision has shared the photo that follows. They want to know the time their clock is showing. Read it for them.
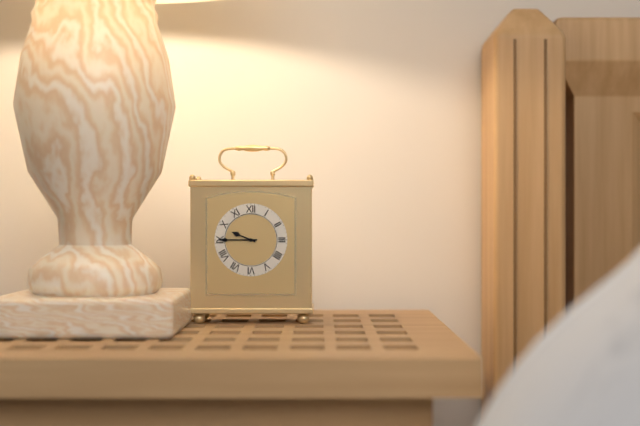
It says 9:45
